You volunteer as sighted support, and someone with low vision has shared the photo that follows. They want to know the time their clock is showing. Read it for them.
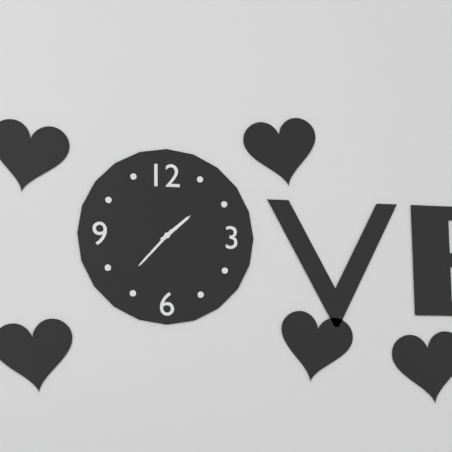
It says 1:37
